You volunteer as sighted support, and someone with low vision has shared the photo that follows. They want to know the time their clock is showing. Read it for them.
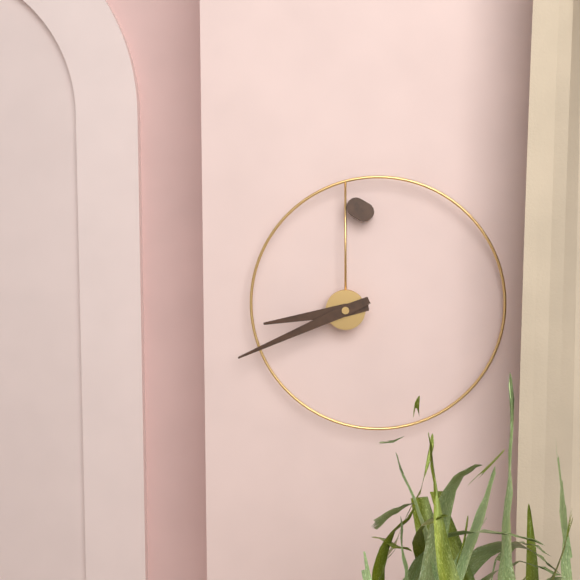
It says 8:41
